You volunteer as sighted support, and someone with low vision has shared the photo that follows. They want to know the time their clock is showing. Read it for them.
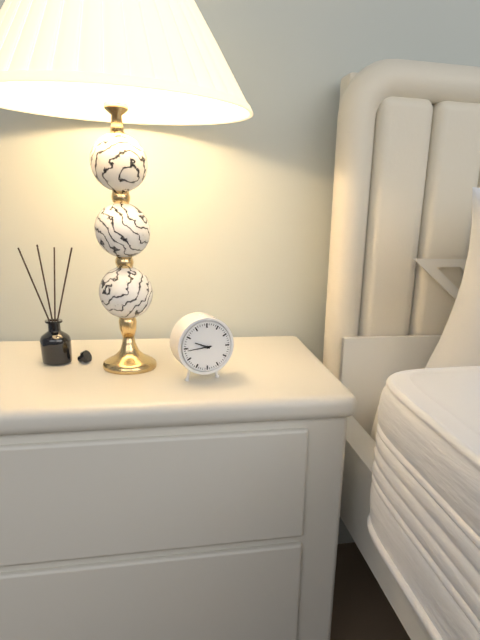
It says 9:44
